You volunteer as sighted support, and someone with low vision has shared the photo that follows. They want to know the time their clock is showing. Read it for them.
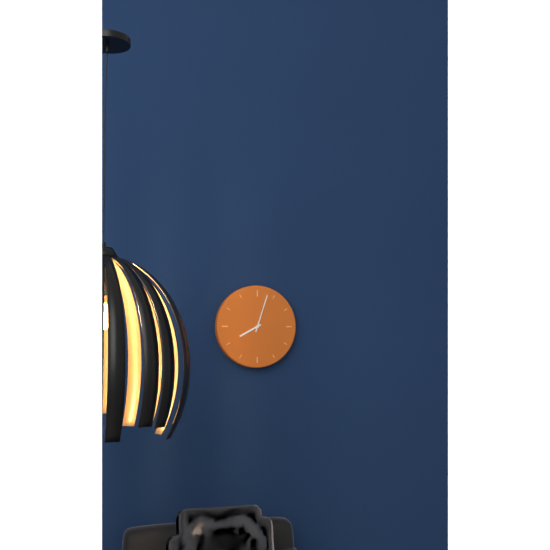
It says 8:03
